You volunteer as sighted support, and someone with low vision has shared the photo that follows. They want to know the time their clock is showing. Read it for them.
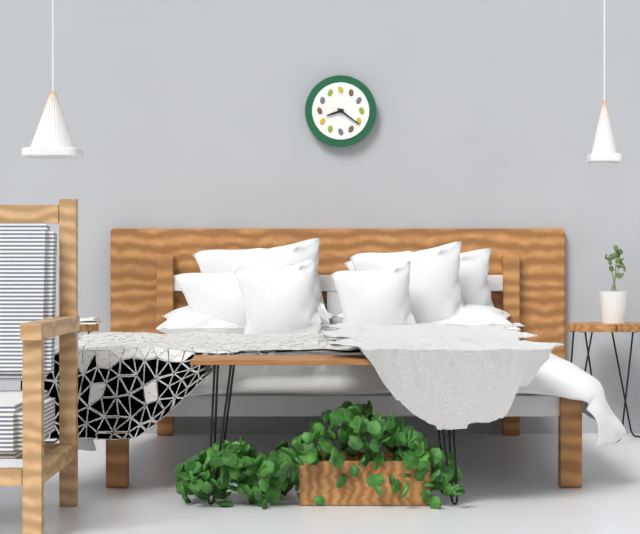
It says 8:21
